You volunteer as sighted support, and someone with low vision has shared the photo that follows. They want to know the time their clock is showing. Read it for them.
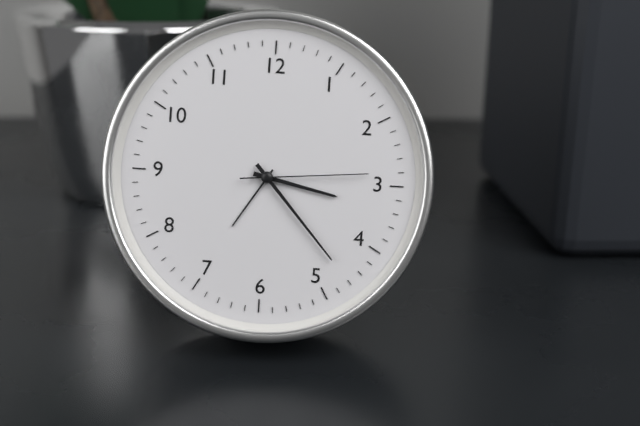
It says 3:23:14
